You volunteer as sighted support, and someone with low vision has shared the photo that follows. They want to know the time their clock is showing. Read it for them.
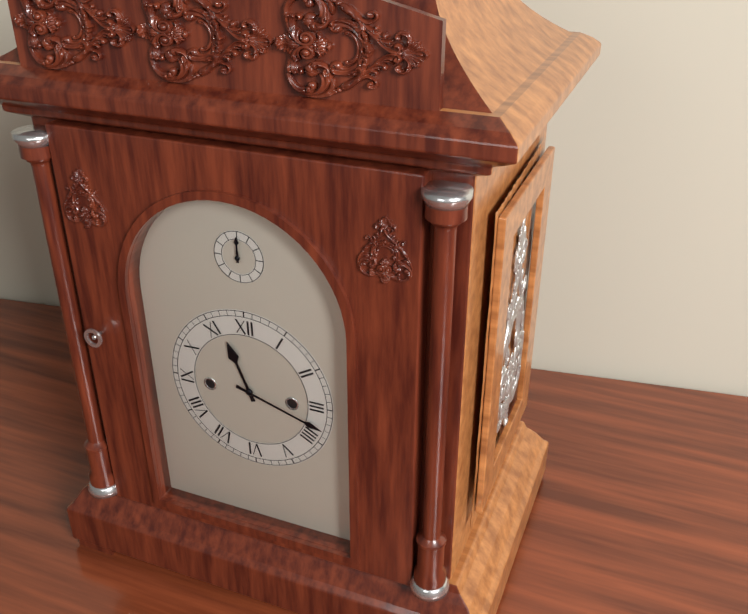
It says 11:18
